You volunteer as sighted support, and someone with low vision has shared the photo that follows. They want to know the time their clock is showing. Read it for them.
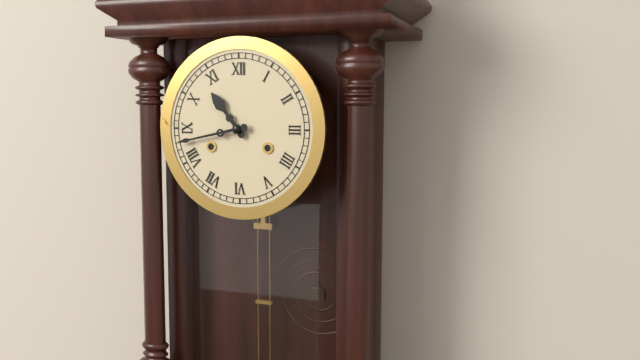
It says 10:43
